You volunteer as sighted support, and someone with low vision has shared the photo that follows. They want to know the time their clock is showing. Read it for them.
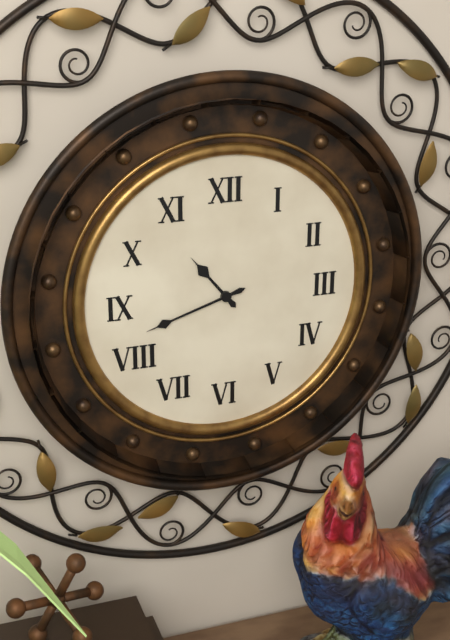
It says 10:42
